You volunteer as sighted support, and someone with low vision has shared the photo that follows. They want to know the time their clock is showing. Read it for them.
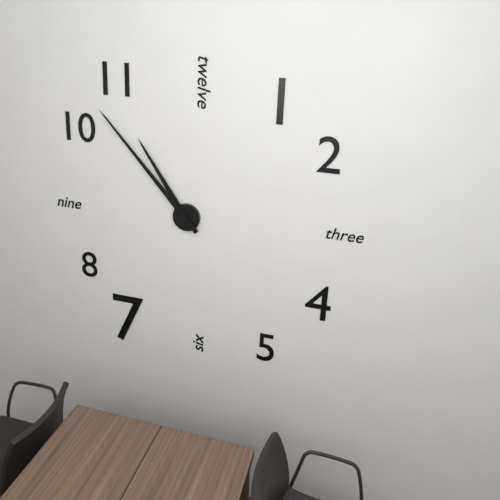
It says 10:53
